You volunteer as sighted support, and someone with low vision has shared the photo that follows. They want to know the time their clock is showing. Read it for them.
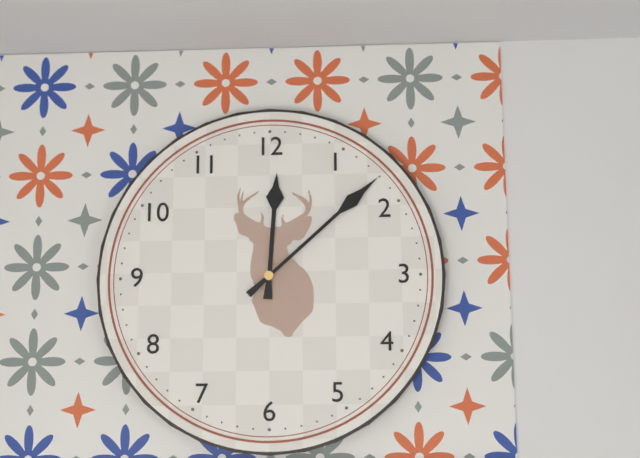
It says 12:08
